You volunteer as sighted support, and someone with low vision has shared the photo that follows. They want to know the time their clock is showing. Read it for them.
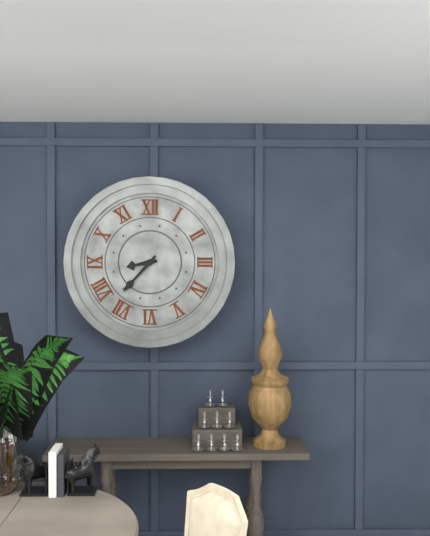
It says 8:37
